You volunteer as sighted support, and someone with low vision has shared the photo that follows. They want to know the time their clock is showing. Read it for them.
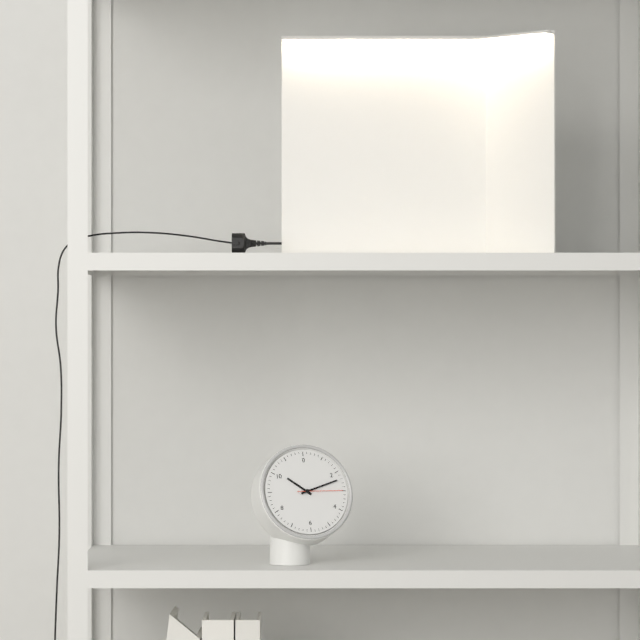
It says 10:12
